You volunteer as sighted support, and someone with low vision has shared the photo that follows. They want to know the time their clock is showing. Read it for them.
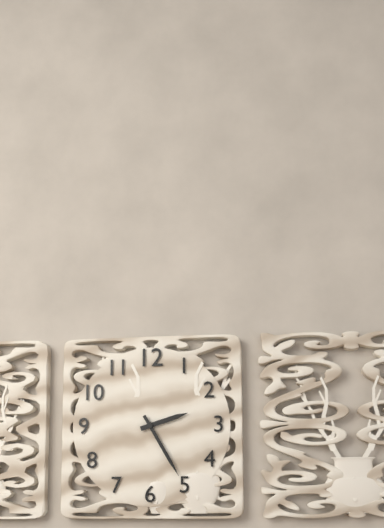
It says 2:25
